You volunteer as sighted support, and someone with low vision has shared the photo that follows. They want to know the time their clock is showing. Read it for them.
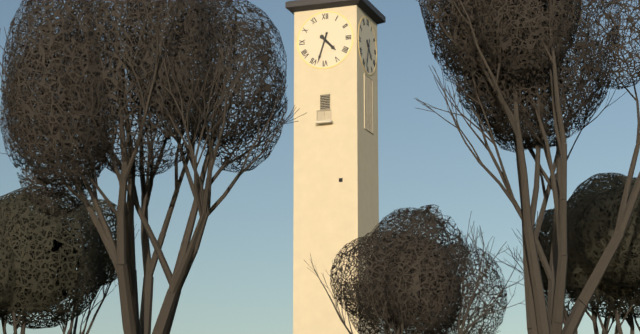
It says 4:33
